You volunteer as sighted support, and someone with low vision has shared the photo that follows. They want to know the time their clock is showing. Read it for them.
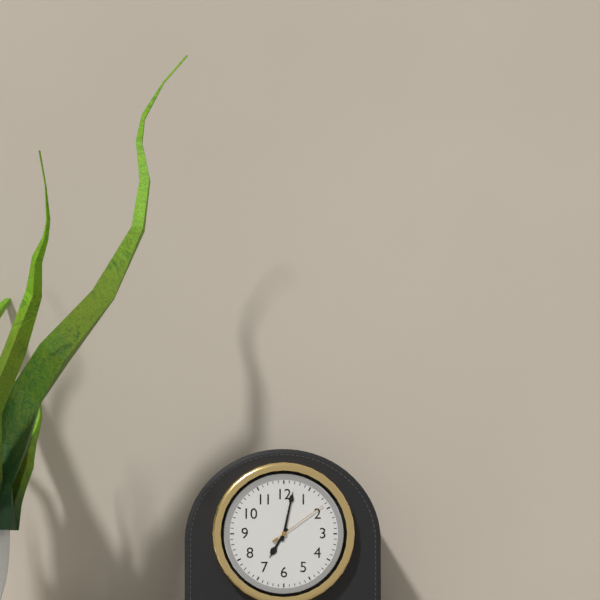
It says 7:02:09
